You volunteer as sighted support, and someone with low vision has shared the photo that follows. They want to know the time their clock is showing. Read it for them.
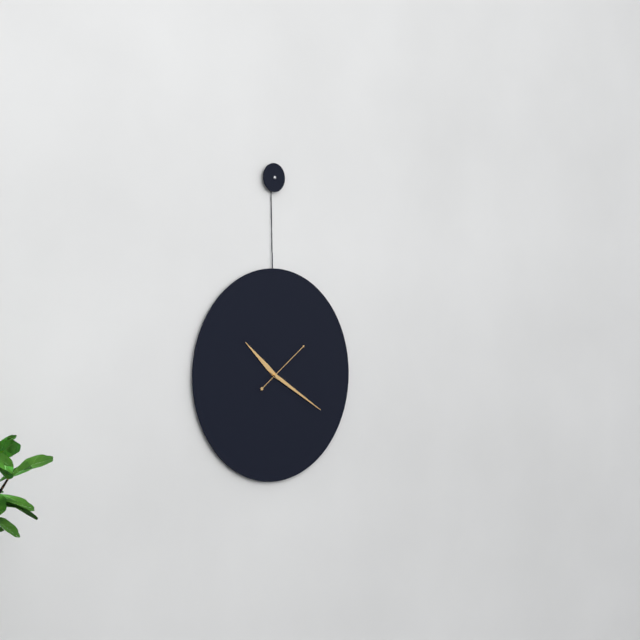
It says 10:20:09
